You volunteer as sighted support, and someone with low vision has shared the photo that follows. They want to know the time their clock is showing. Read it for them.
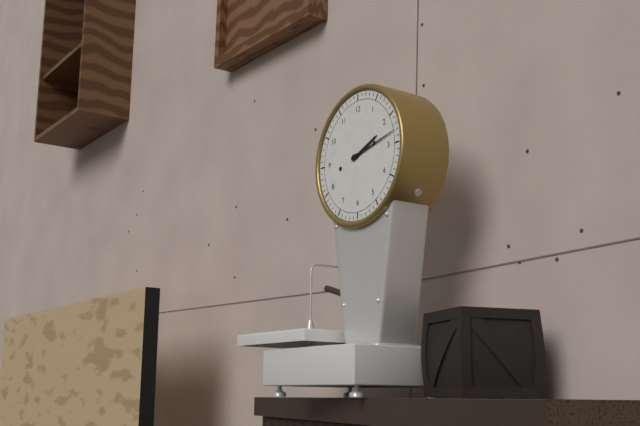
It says 2:13
